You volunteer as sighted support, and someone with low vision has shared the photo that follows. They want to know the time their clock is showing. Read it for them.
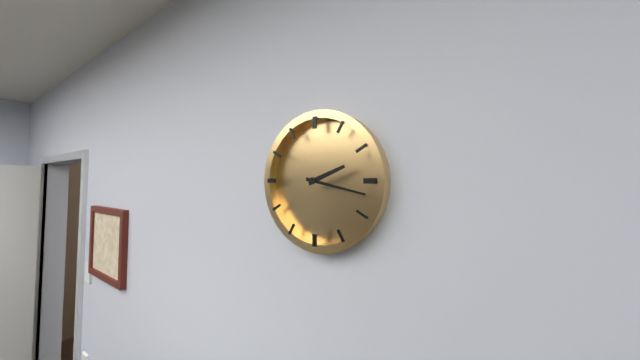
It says 2:17
